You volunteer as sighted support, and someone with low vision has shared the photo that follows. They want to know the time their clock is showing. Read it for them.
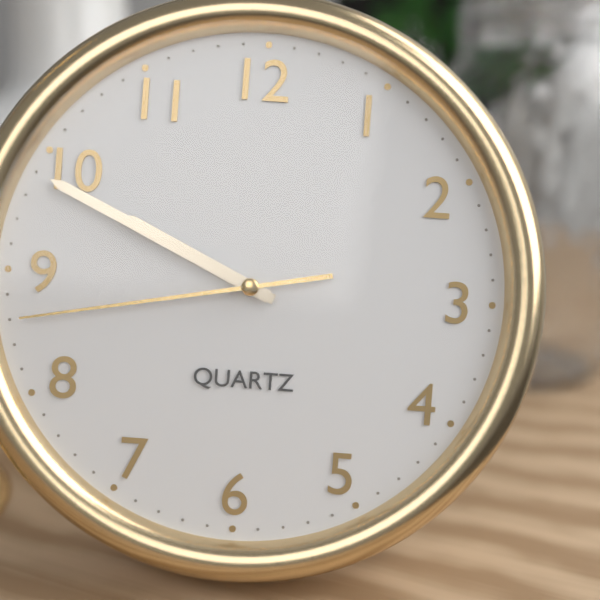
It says 9:49:43
